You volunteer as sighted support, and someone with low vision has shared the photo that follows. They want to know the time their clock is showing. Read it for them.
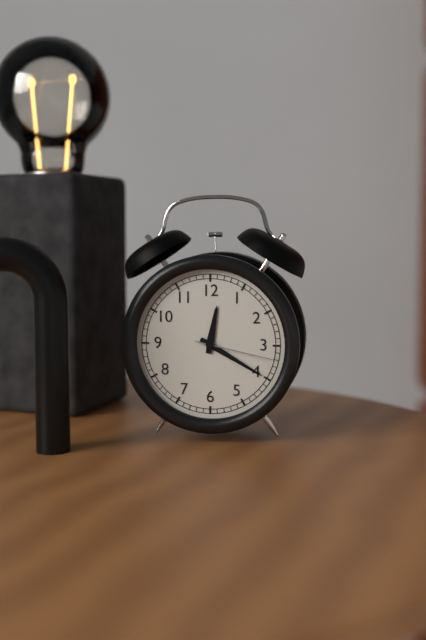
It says 12:20:17
